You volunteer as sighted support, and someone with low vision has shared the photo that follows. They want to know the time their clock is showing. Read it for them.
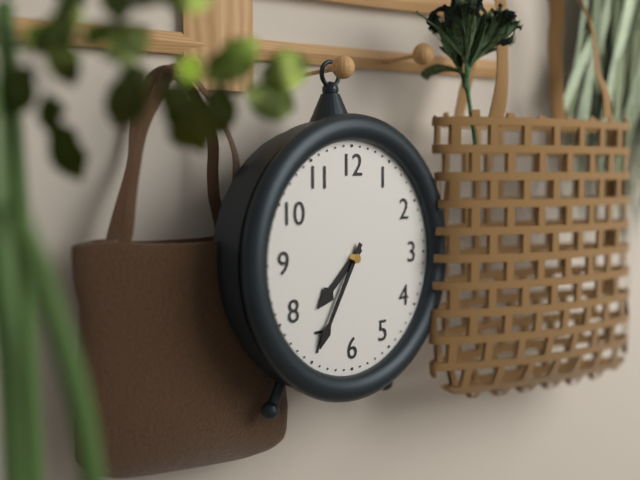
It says 7:35
